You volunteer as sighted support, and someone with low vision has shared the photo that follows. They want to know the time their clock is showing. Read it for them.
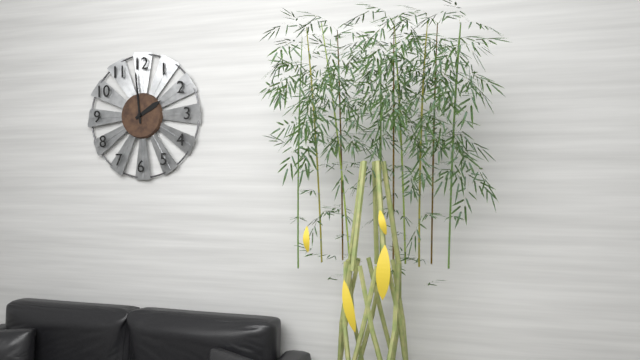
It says 1:59
